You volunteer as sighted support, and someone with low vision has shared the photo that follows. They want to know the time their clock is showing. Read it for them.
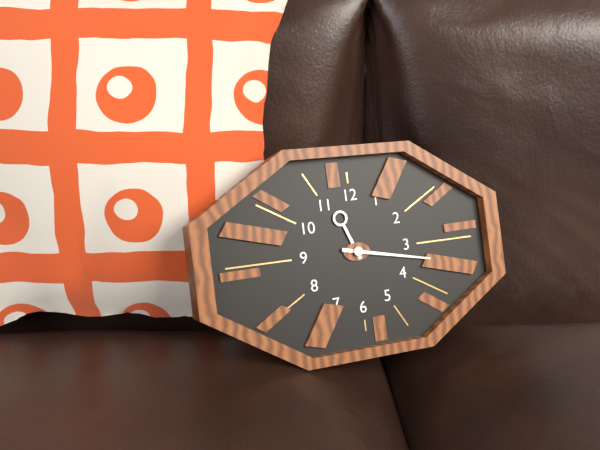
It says 11:17
